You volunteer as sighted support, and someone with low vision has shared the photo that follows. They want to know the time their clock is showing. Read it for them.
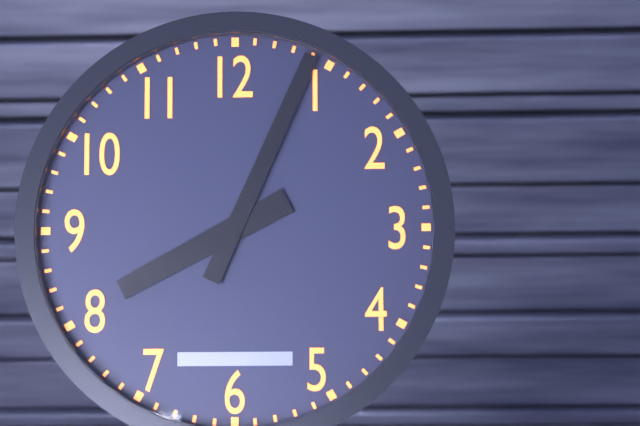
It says 8:04
